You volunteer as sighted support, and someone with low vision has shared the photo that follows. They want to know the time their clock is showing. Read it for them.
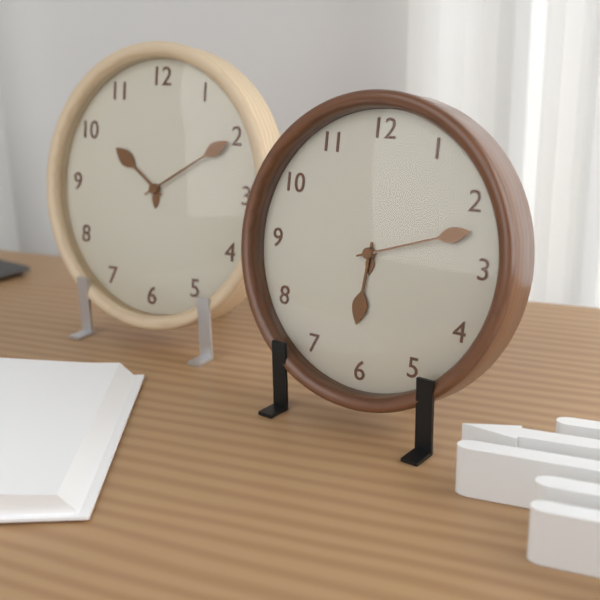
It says 6:12
